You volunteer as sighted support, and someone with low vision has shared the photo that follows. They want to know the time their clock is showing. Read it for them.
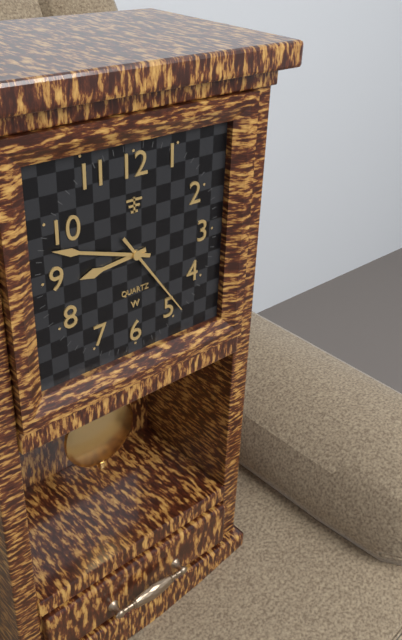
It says 8:48:24
